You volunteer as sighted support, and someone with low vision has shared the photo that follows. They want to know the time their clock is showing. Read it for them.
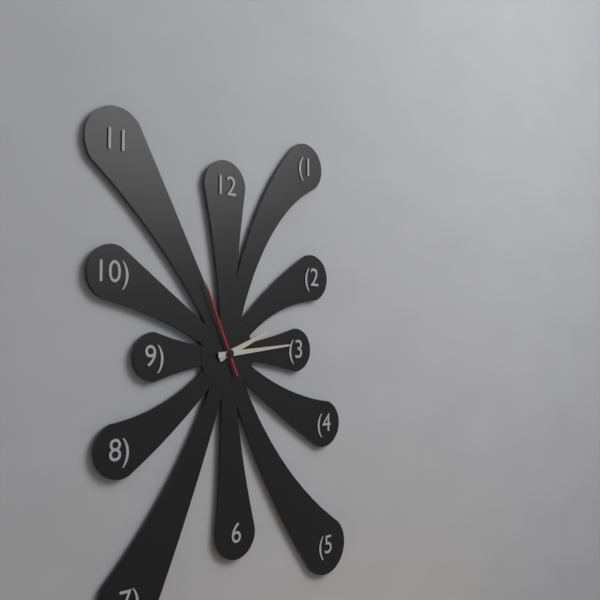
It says 2:14:56
